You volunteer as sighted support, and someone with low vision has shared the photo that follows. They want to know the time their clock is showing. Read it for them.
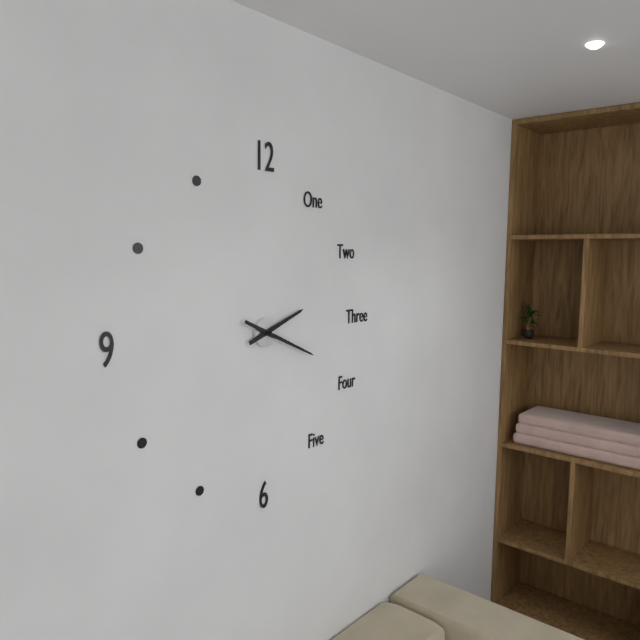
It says 2:19
